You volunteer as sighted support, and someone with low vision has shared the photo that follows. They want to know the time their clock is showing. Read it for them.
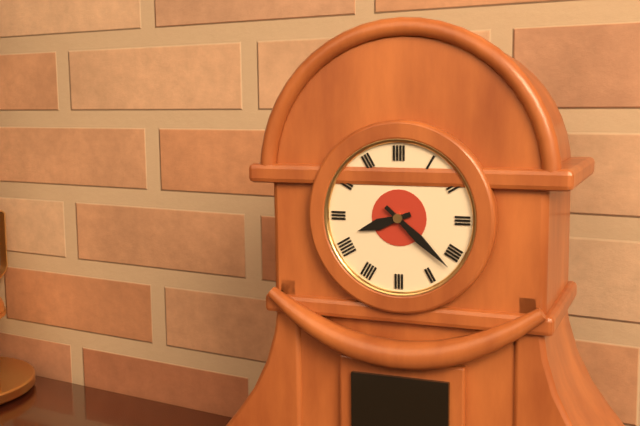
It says 8:22
